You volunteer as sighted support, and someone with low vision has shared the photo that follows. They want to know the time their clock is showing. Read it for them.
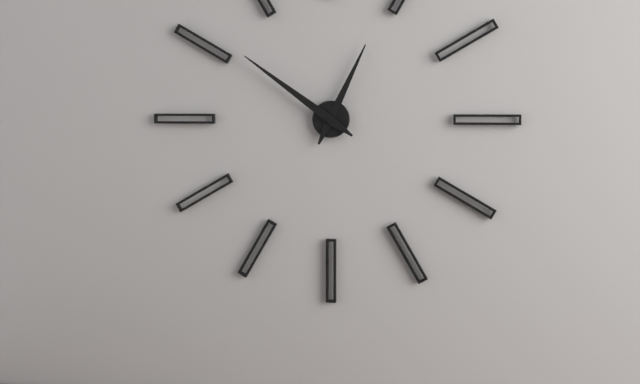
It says 12:51
